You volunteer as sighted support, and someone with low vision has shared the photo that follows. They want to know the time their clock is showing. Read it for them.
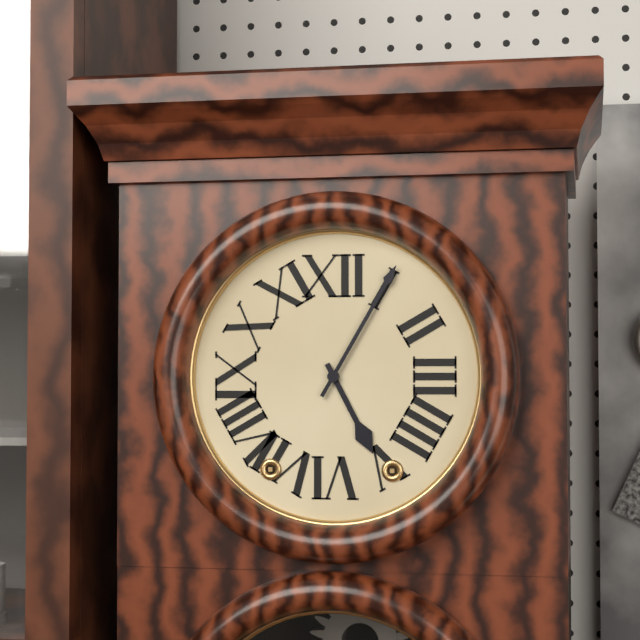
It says 5:05
